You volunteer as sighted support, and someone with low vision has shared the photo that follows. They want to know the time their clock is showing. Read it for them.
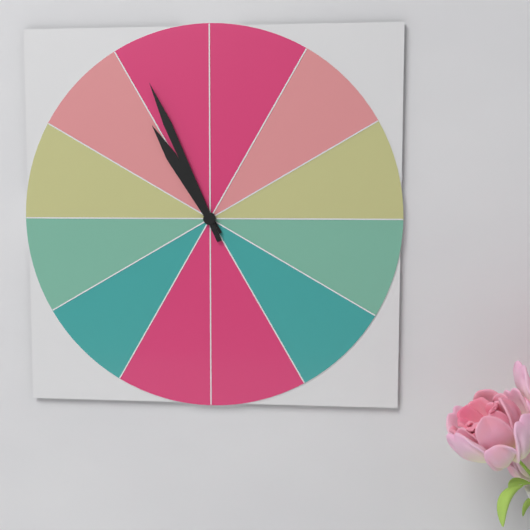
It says 10:56
